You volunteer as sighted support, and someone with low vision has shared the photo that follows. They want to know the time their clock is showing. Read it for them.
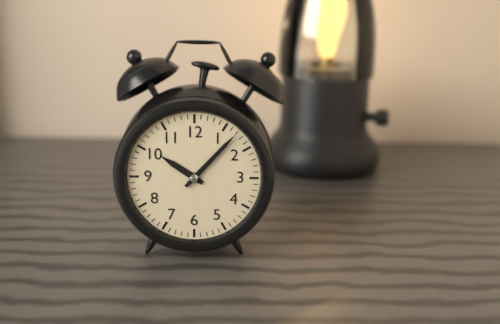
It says 10:07
